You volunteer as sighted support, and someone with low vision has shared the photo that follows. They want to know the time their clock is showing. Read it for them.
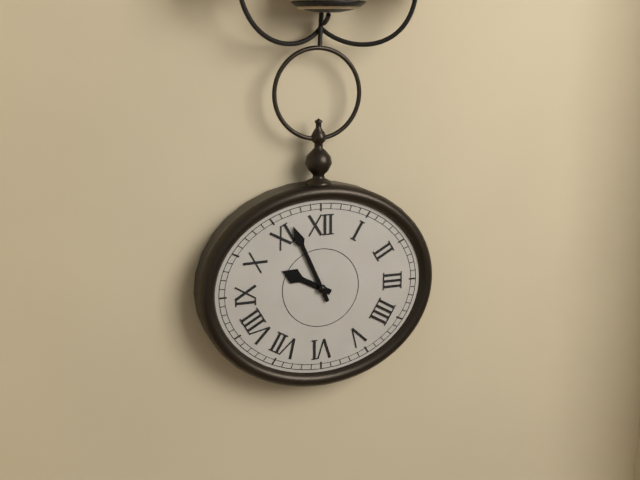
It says 9:56
